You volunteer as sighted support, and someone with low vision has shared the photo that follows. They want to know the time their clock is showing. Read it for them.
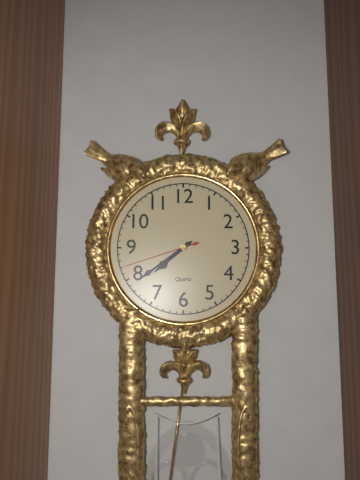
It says 7:39:42
